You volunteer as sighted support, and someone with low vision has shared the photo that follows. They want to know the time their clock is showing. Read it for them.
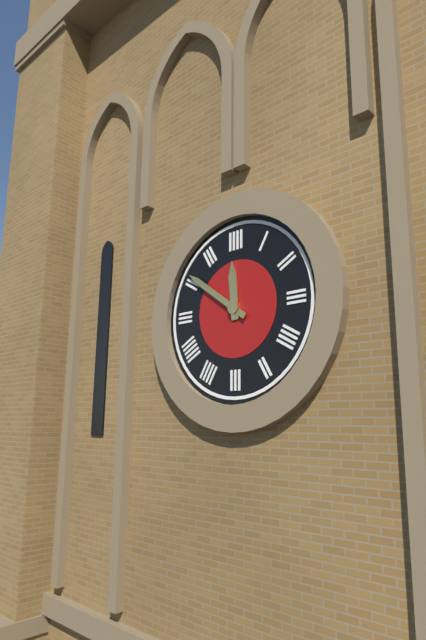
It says 11:51
